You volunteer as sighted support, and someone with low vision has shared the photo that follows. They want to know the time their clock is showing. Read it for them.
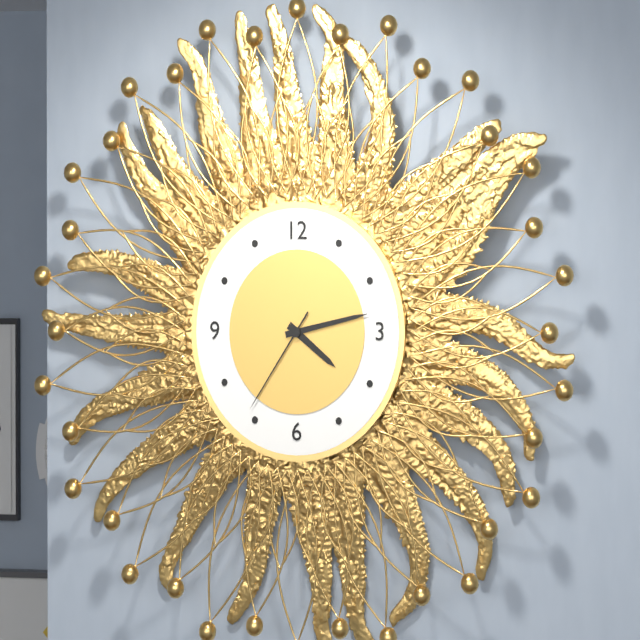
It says 4:13:36
